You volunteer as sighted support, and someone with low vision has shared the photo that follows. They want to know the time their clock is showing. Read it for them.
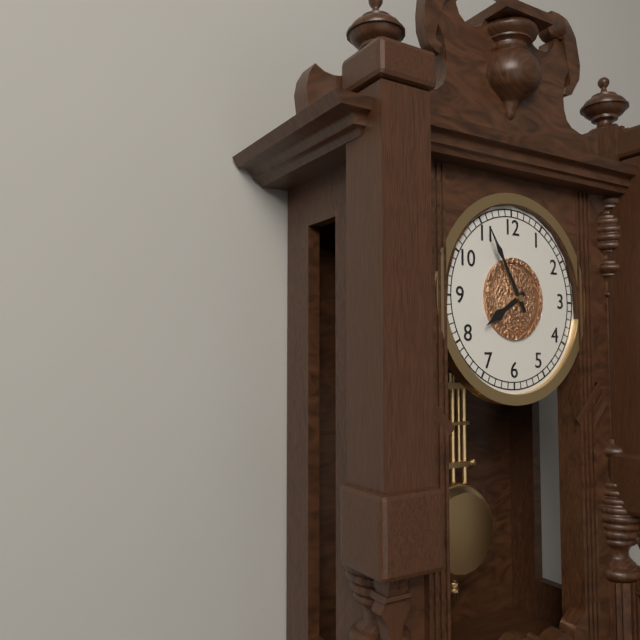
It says 7:55
